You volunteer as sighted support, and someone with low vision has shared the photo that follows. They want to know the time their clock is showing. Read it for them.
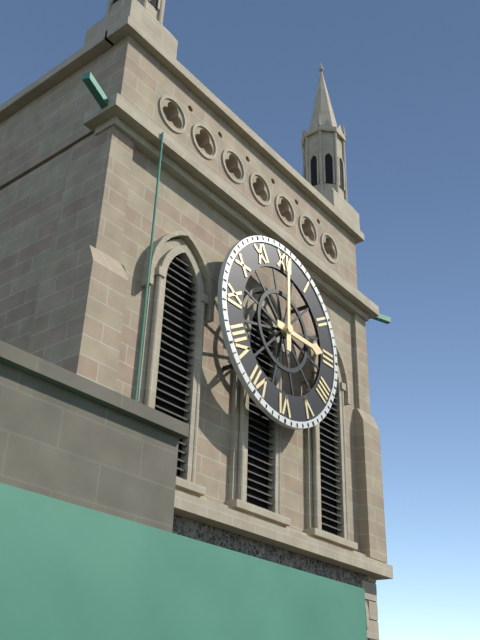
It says 3:00
